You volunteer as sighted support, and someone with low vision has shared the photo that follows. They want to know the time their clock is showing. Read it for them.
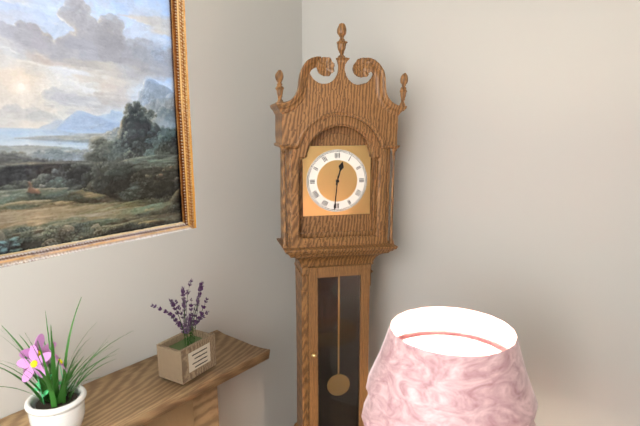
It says 12:31
